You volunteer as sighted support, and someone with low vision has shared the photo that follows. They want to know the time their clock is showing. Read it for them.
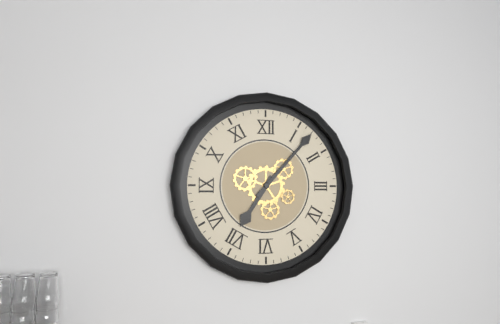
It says 7:07
